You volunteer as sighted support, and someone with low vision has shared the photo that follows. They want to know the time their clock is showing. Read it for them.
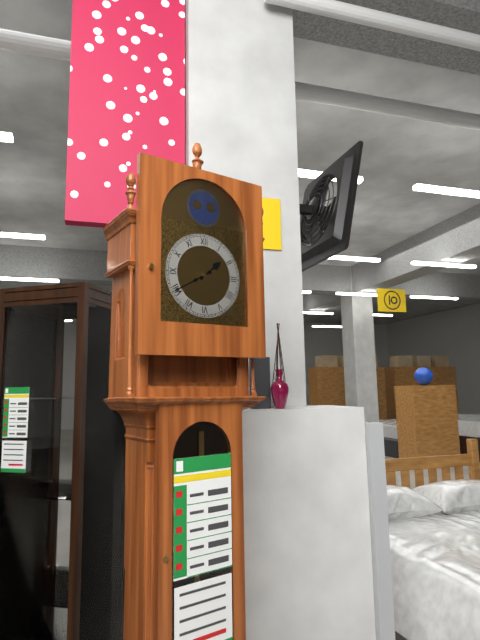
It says 1:40
